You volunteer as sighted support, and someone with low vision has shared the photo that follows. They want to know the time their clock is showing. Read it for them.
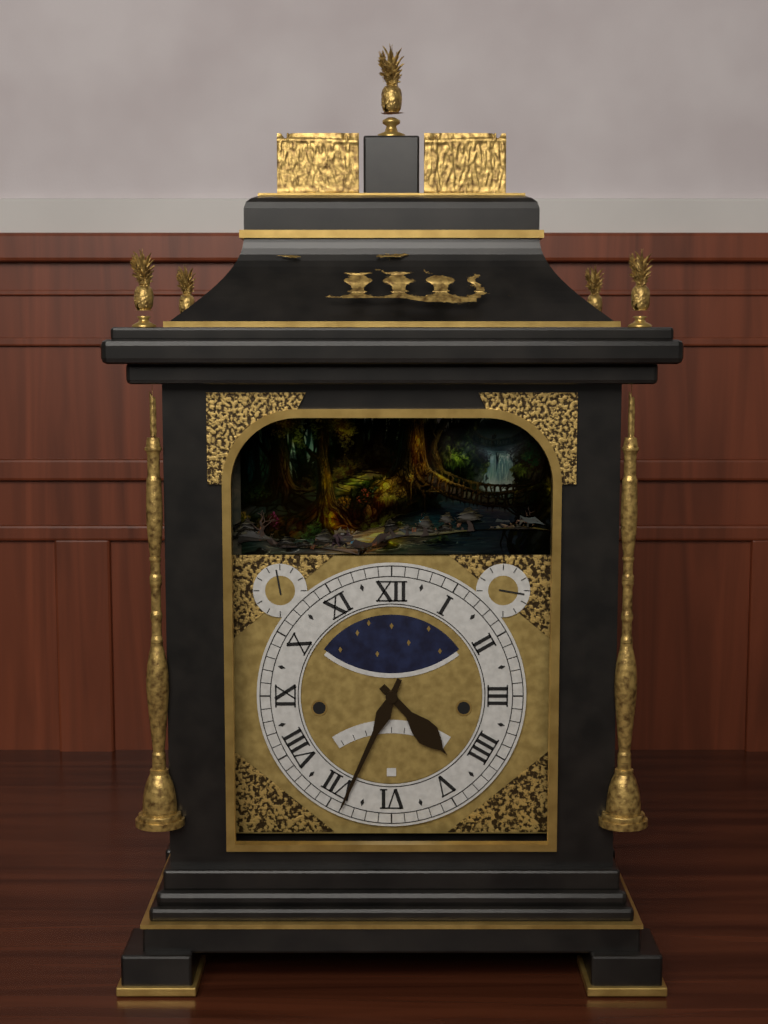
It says 4:34
